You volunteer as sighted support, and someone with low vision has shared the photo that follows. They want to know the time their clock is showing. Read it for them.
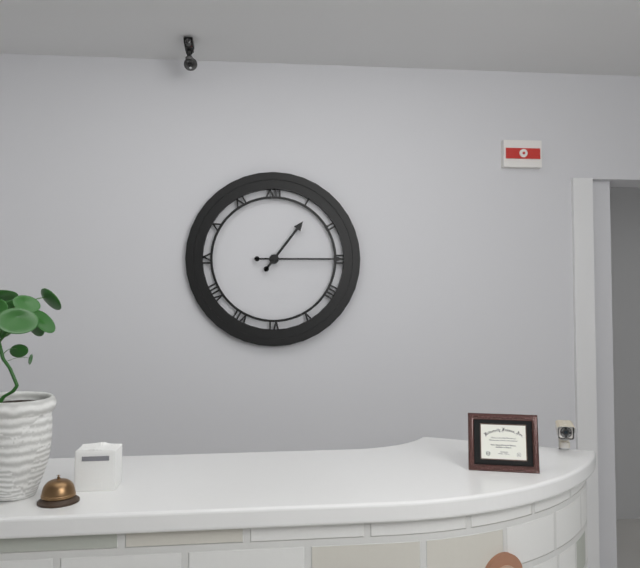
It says 1:15
